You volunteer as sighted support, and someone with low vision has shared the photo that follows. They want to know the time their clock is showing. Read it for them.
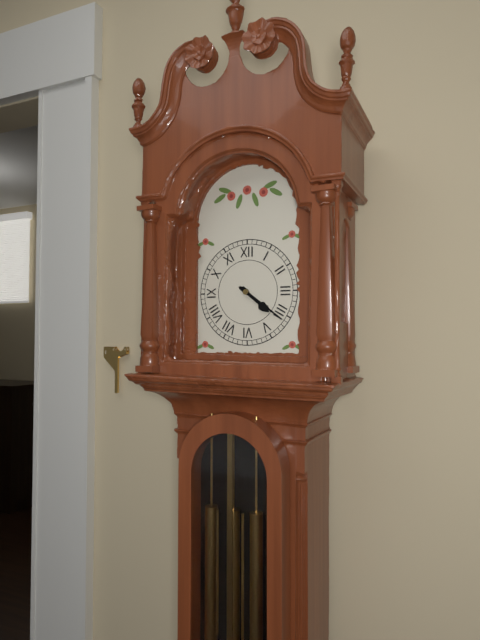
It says 4:21
